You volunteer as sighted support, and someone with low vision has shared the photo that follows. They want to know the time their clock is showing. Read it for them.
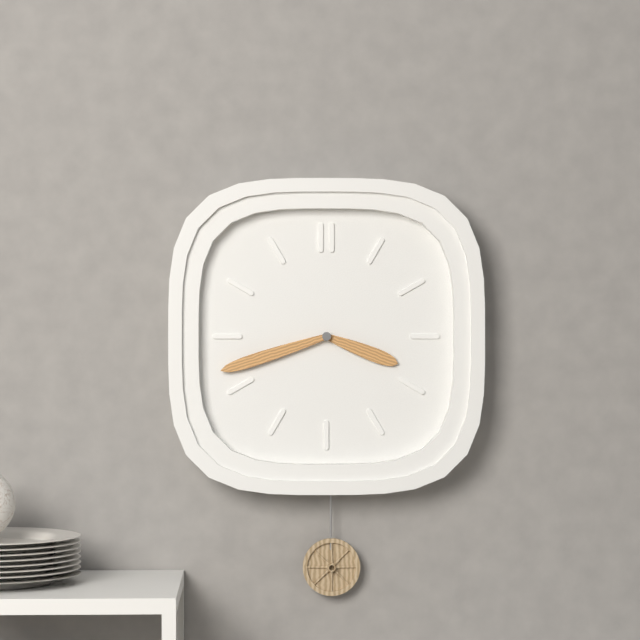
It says 3:42
